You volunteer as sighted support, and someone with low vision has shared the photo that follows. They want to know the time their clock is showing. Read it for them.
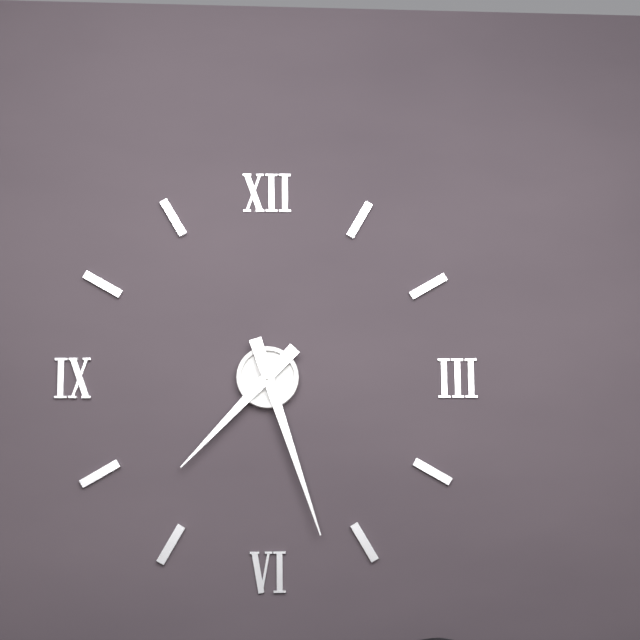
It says 7:27
